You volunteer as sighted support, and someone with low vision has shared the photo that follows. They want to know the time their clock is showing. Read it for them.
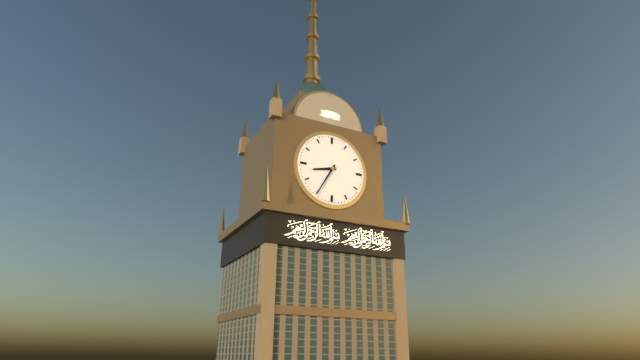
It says 8:35
